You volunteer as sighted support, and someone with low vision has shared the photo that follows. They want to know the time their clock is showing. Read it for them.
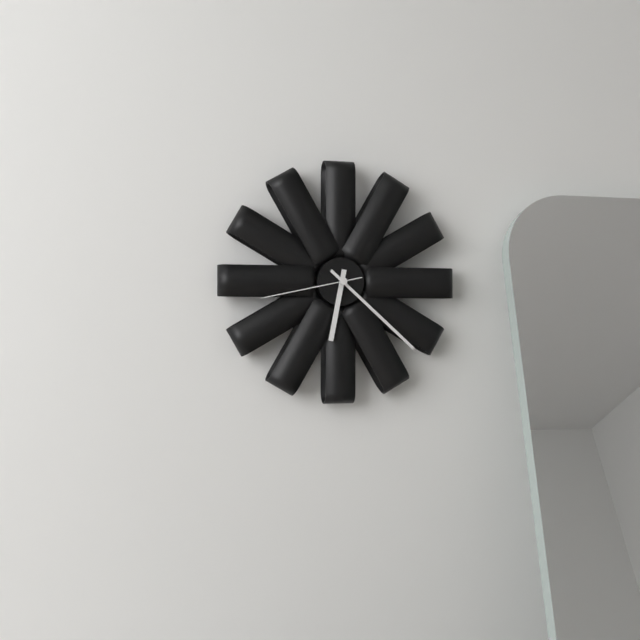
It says 6:22:43
